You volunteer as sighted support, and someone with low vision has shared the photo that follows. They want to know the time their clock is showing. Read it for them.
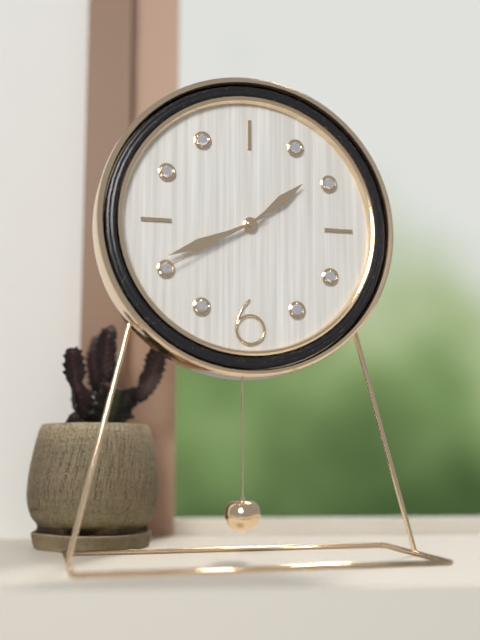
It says 1:41:40
